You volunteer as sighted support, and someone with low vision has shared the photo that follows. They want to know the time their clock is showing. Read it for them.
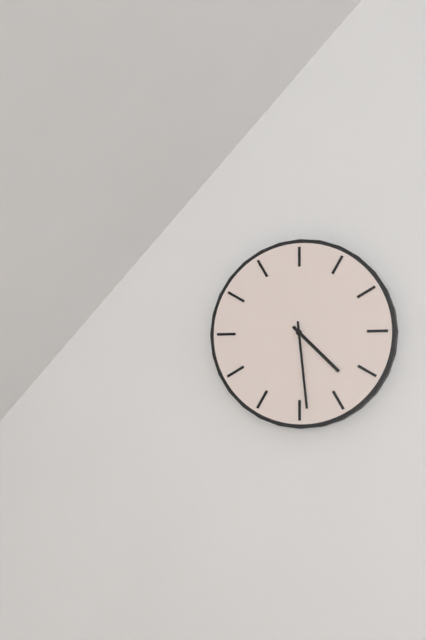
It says 4:29
